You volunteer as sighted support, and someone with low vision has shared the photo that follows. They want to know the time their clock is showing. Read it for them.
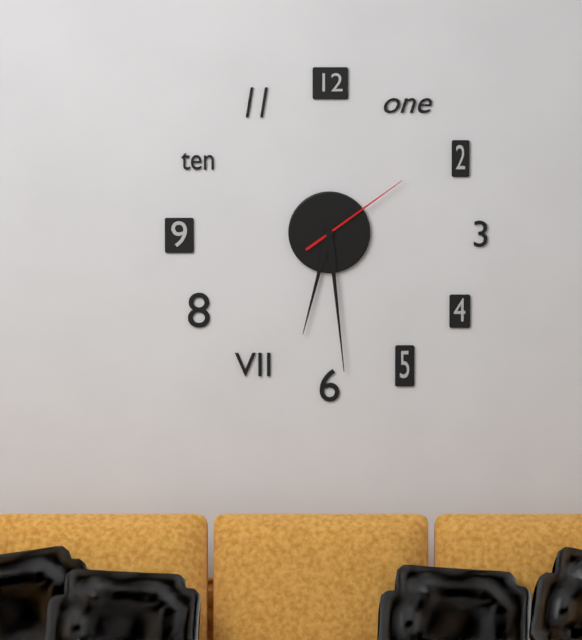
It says 6:29:09
